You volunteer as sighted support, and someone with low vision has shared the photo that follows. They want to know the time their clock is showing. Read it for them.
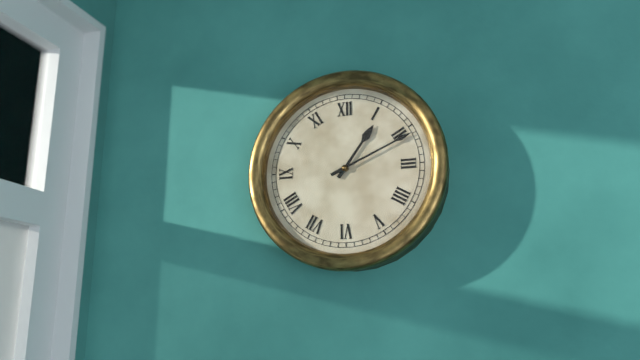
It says 1:11
